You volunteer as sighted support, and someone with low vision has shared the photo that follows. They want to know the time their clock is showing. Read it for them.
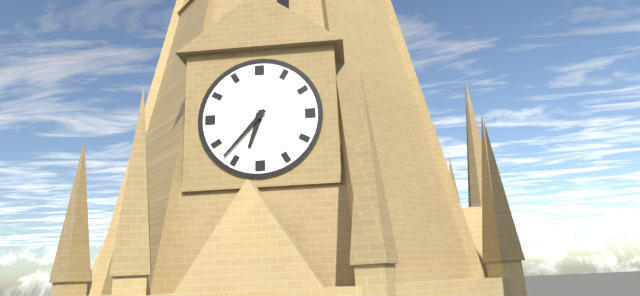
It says 6:37
